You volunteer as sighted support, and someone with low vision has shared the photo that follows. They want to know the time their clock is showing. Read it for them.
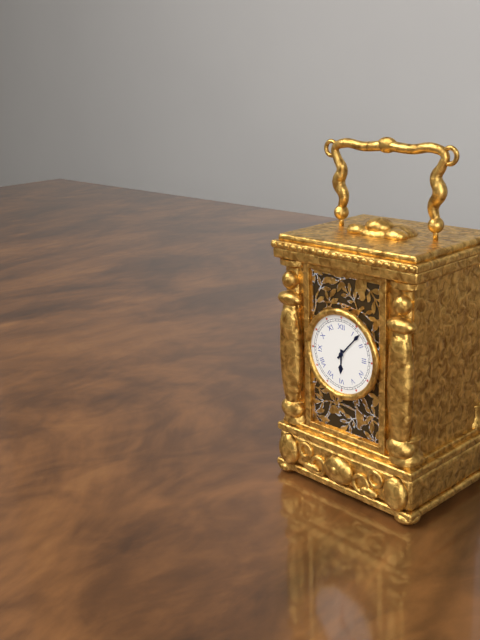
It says 6:07
